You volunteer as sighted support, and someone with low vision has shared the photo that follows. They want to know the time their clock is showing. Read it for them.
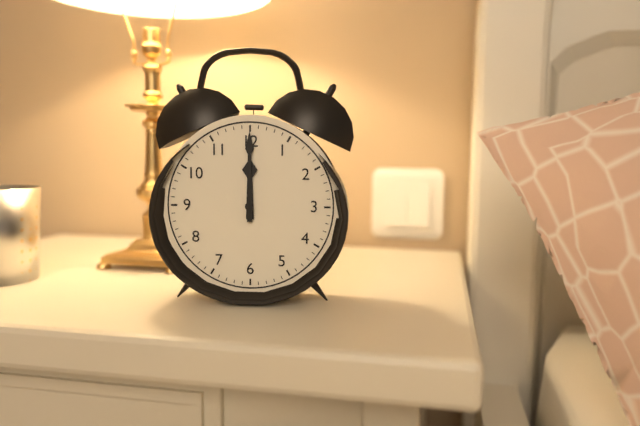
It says 12:00
